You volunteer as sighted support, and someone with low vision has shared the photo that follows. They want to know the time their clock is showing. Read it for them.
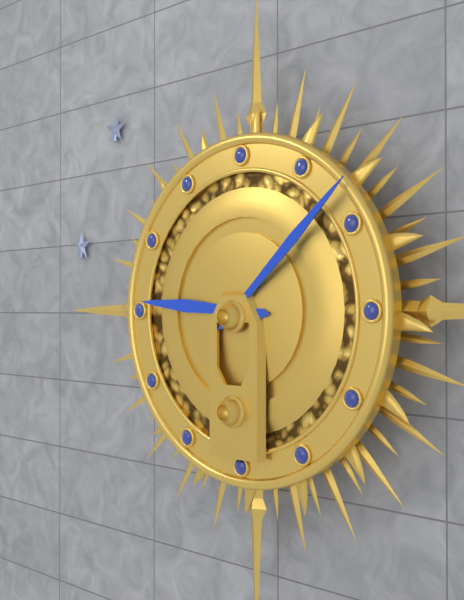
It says 9:08
